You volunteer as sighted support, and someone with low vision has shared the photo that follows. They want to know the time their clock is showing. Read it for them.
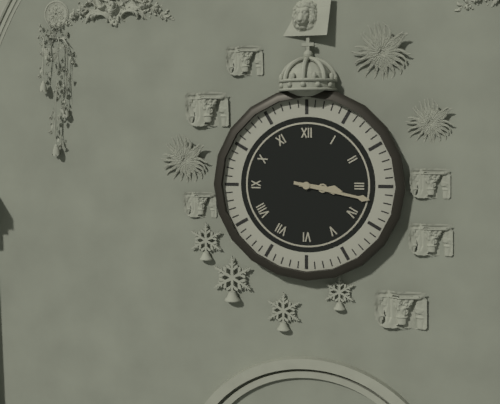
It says 3:17
